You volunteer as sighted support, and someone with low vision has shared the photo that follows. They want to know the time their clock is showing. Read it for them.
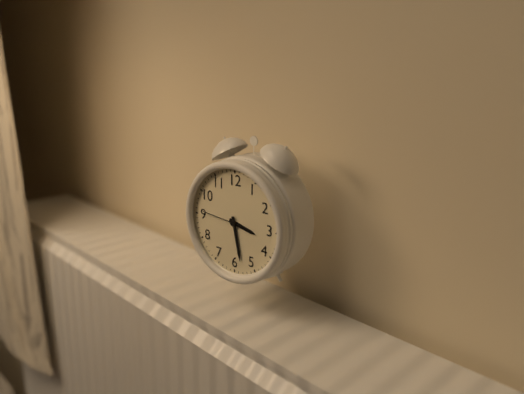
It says 3:28
